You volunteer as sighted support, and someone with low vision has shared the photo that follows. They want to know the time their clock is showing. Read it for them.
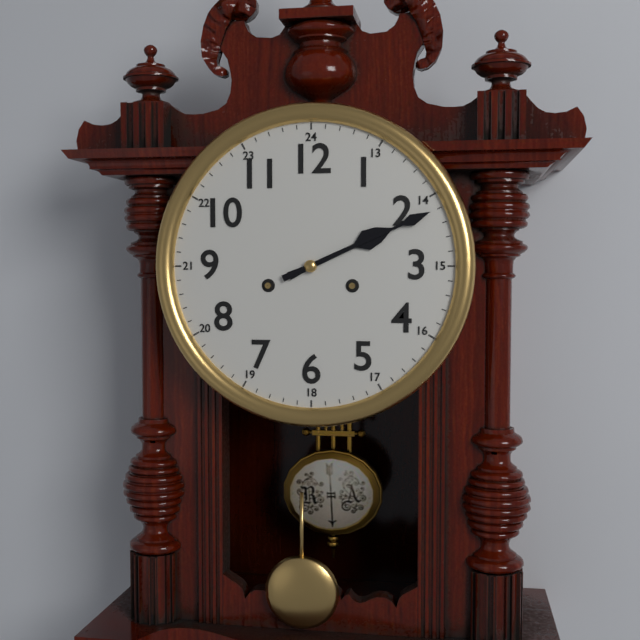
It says 2:11
